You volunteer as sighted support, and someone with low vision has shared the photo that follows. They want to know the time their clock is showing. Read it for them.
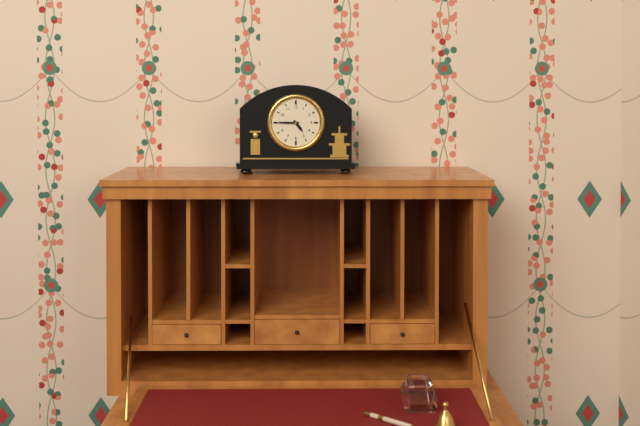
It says 4:45
